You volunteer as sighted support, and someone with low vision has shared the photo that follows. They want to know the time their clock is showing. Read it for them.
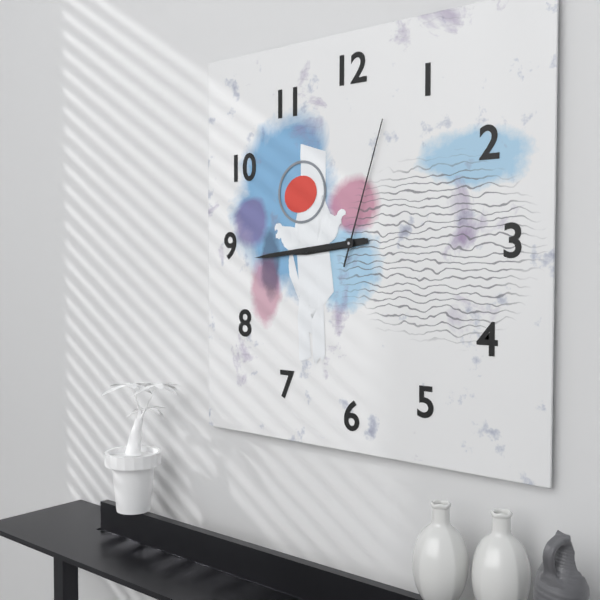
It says 8:44:03
